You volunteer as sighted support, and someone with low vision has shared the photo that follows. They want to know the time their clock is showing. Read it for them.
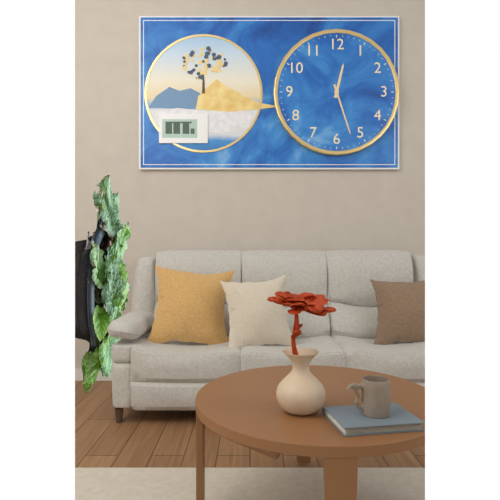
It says 12:27
